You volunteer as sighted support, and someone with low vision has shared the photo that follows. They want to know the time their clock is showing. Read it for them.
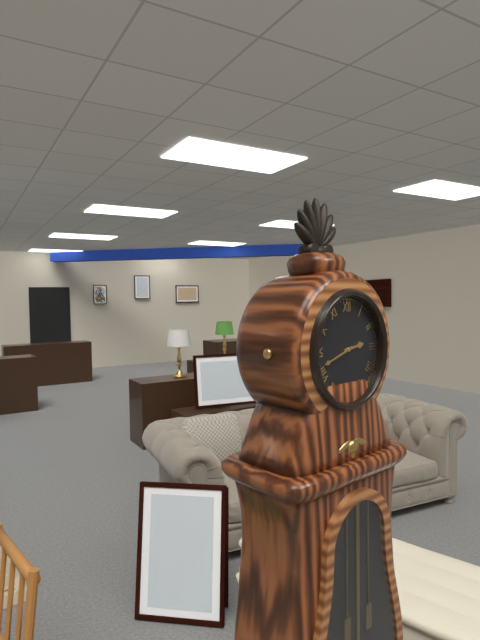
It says 2:42
